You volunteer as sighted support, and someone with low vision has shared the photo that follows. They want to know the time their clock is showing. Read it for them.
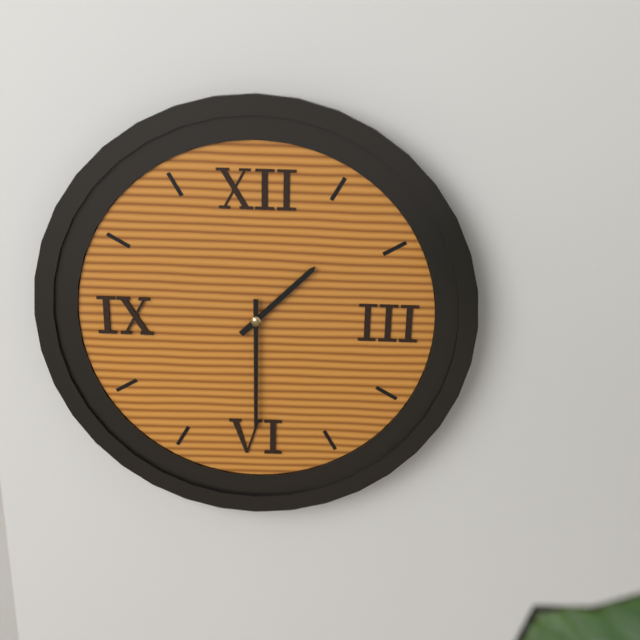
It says 1:30
